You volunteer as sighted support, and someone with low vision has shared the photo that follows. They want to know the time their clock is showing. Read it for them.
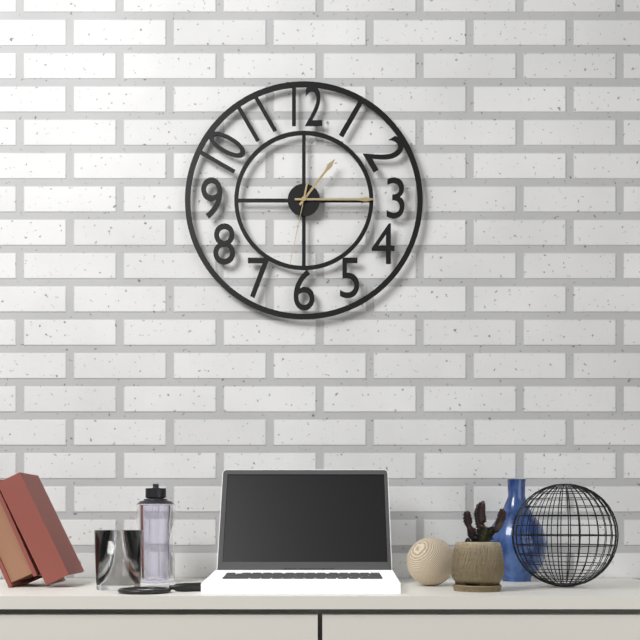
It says 1:15:32
